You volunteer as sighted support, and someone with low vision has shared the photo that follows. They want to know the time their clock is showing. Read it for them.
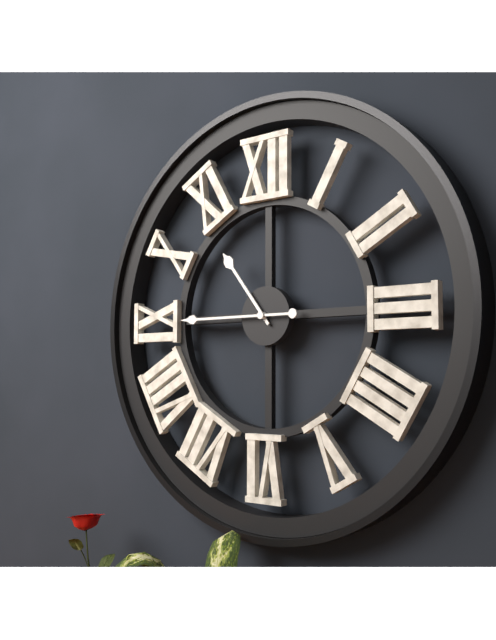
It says 10:45
